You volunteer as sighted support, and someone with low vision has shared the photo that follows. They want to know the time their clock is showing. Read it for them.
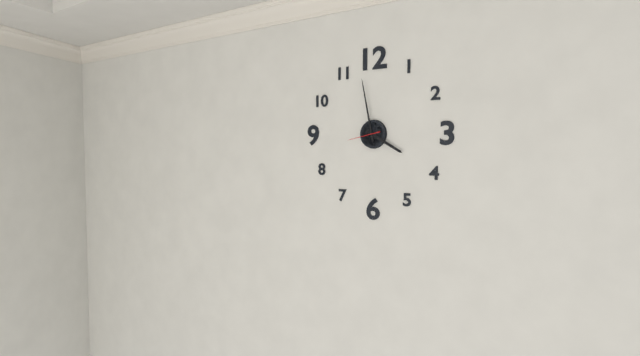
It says 3:58
